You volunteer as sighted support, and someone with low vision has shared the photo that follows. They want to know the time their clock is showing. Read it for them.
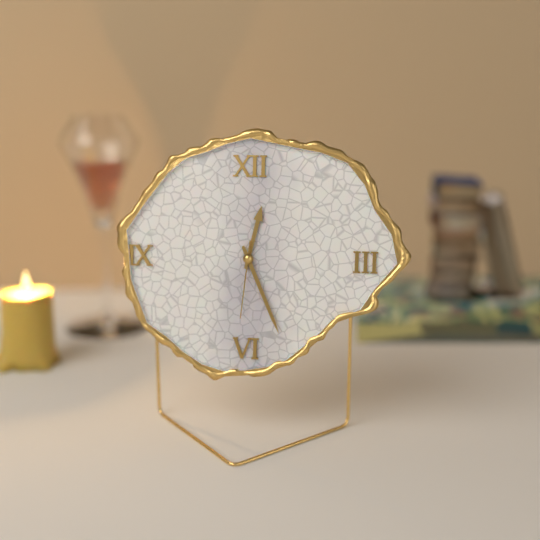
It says 12:26:31
